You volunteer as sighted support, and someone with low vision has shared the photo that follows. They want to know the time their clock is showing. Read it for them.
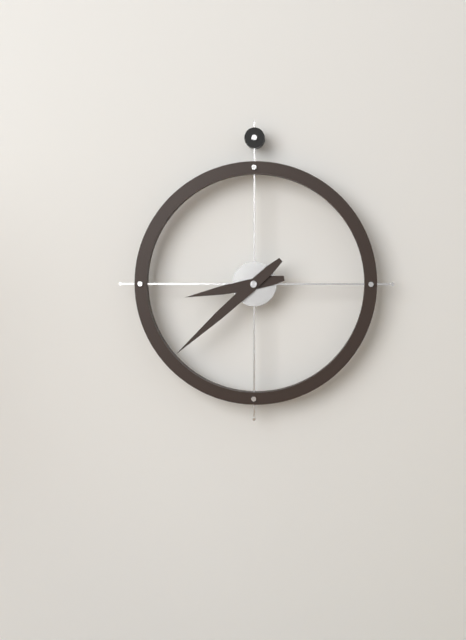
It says 8:38
